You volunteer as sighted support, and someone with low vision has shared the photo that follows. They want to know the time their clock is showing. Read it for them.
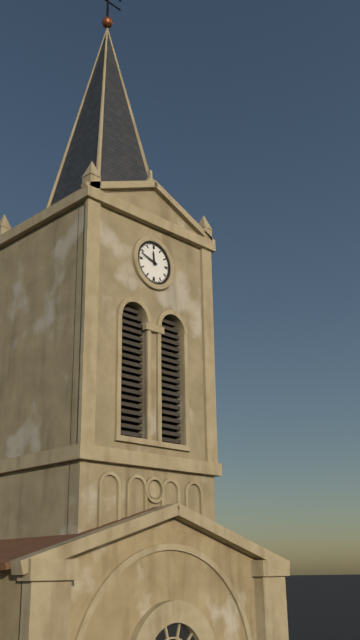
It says 11:48
